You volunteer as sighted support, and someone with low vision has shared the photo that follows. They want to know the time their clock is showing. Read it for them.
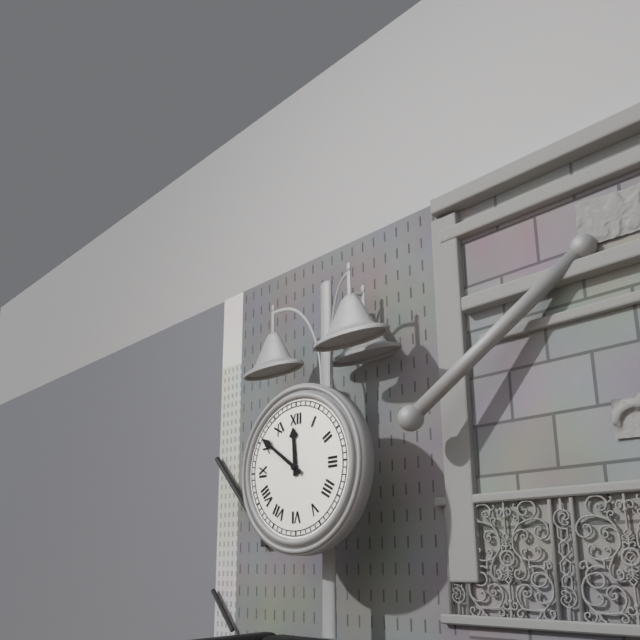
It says 11:51
